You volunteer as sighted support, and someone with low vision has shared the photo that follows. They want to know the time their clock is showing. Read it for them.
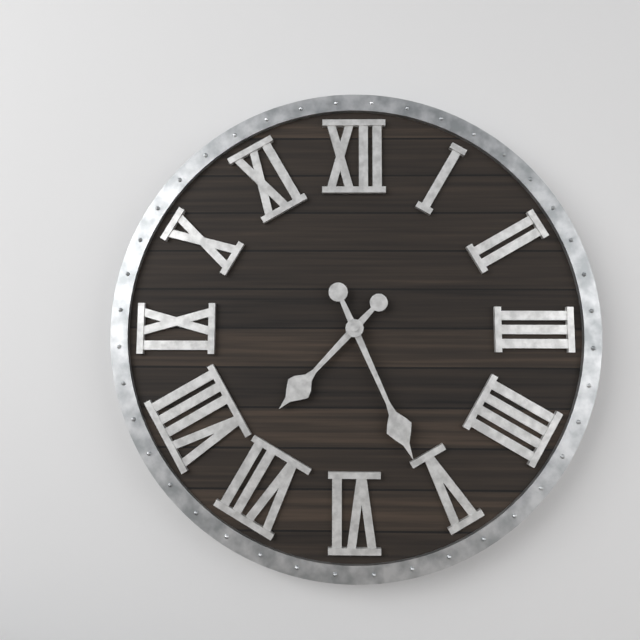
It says 7:26
